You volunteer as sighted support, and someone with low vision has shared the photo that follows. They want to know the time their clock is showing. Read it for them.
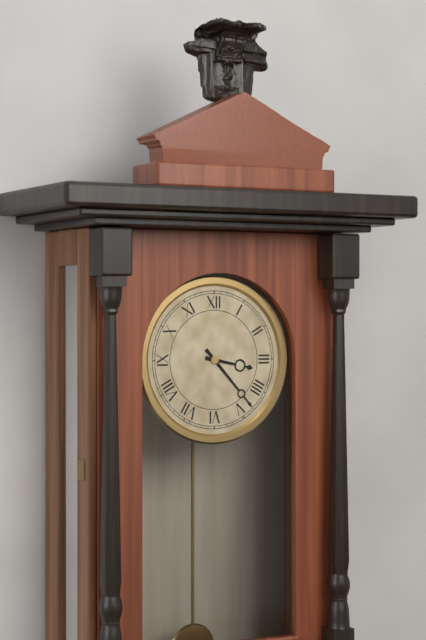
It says 3:23
